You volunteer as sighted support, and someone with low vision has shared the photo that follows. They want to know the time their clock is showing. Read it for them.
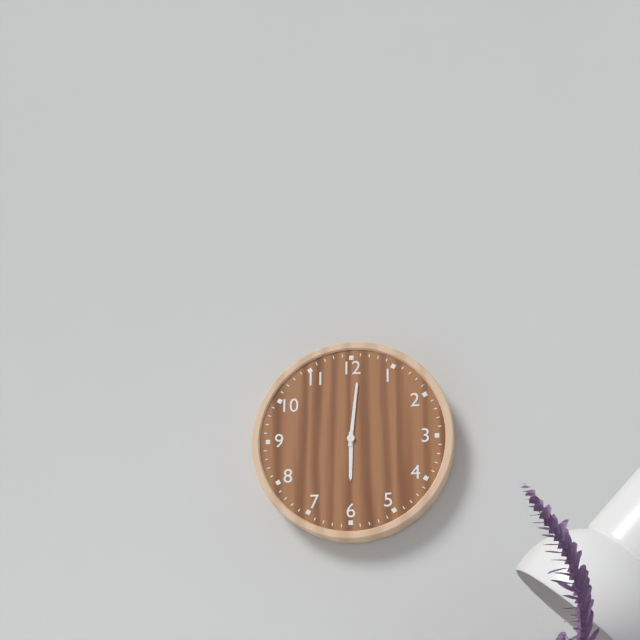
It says 6:01
